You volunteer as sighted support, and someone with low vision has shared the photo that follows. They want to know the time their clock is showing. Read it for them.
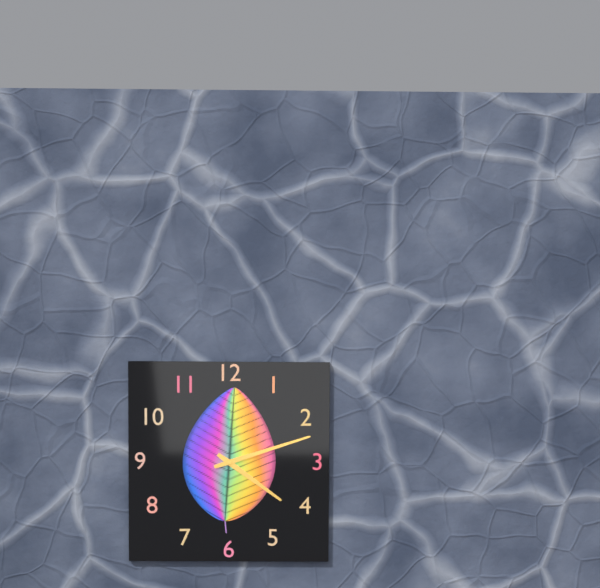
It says 4:12
